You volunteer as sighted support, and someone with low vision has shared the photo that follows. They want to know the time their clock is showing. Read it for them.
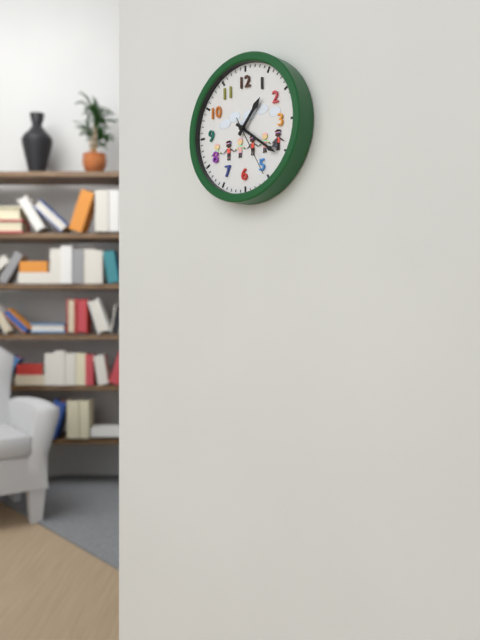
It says 1:21:25
